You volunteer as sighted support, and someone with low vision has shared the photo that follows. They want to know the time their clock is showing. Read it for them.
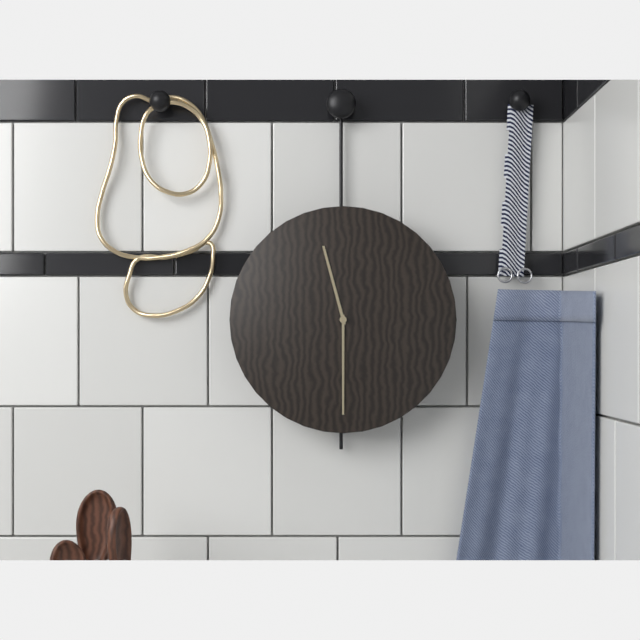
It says 11:30
